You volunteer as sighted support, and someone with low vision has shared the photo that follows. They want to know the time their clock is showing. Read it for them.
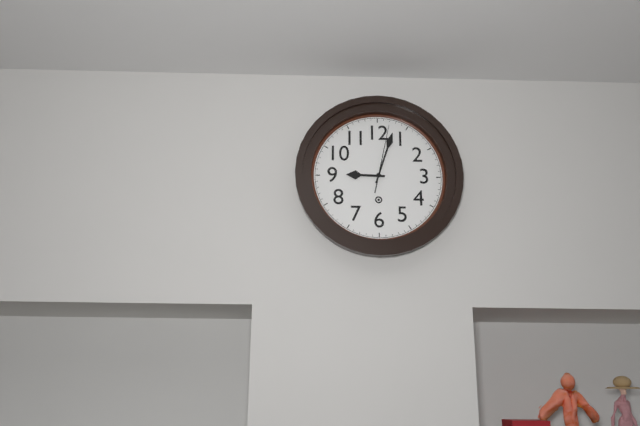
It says 9:03:02
